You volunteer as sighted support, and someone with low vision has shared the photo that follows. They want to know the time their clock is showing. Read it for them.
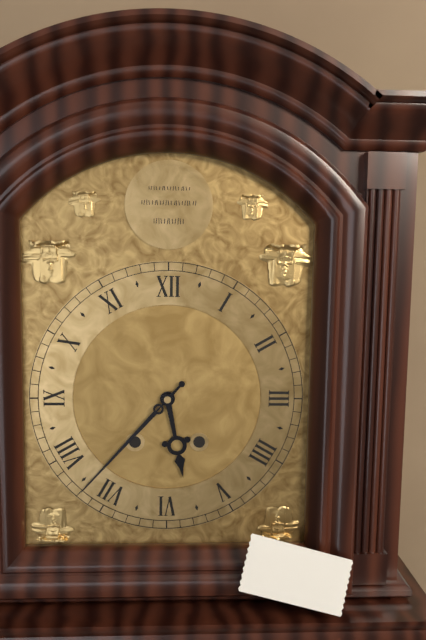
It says 5:37
